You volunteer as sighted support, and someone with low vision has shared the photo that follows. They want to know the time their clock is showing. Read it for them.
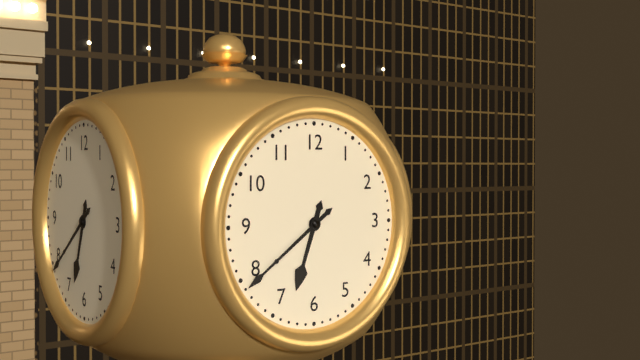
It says 6:39
